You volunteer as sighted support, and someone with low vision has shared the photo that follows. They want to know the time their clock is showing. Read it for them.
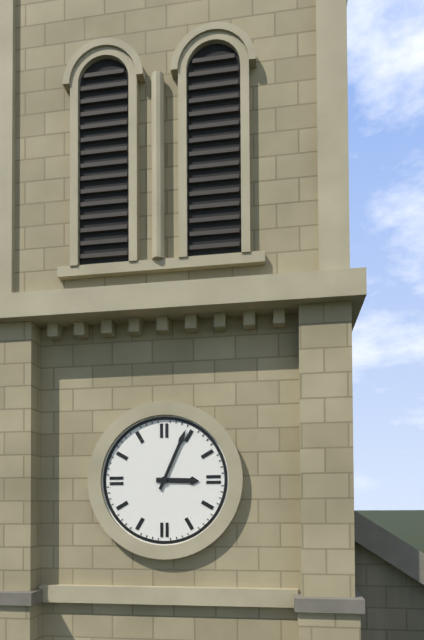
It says 3:04
